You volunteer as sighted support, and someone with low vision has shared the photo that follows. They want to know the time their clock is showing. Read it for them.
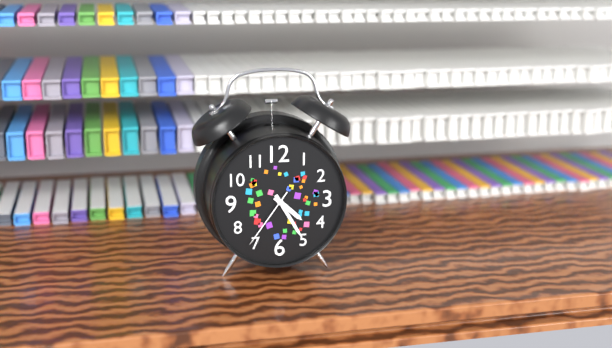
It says 4:25:36
